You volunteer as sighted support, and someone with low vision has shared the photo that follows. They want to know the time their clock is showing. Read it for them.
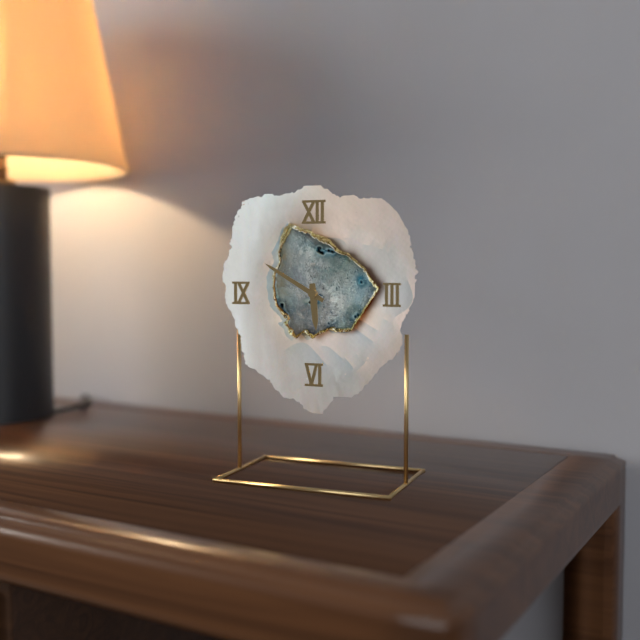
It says 5:50
